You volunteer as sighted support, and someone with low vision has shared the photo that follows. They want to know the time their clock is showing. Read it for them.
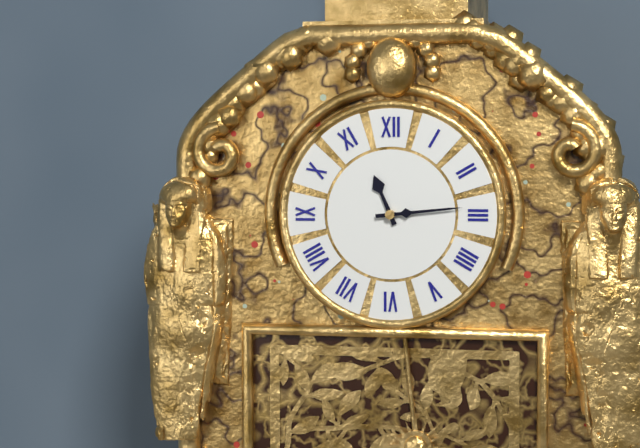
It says 11:14
